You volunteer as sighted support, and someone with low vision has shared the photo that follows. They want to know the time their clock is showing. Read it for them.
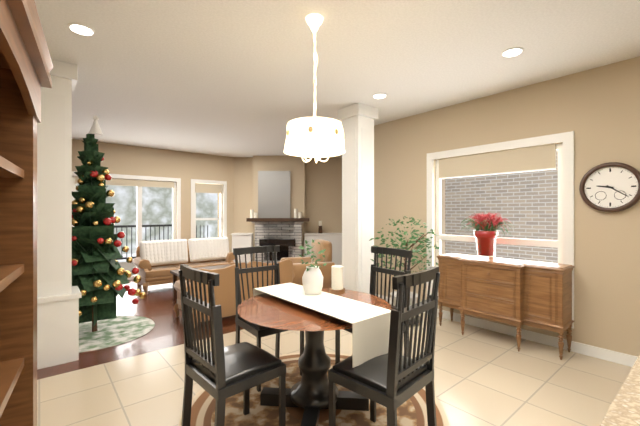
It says 9:21
